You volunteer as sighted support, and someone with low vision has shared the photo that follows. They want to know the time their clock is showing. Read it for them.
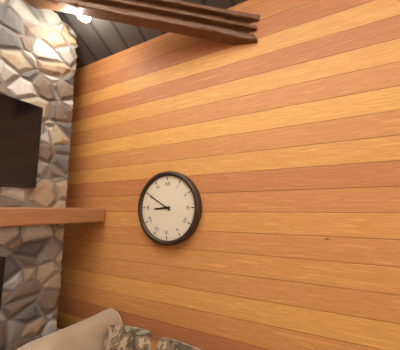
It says 8:50
